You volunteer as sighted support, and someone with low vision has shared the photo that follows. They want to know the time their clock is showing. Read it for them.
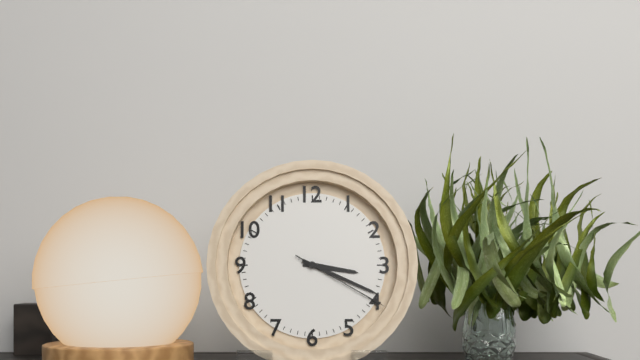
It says 3:19:20
